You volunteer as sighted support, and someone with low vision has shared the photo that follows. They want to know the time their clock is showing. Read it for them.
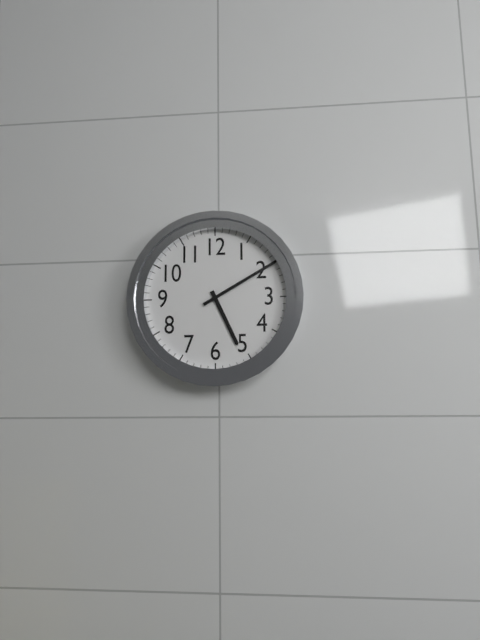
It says 5:10
